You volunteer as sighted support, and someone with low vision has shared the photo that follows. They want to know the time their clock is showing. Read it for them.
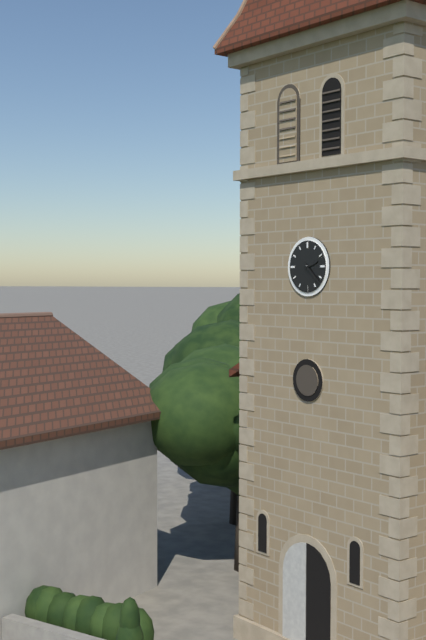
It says 2:22
